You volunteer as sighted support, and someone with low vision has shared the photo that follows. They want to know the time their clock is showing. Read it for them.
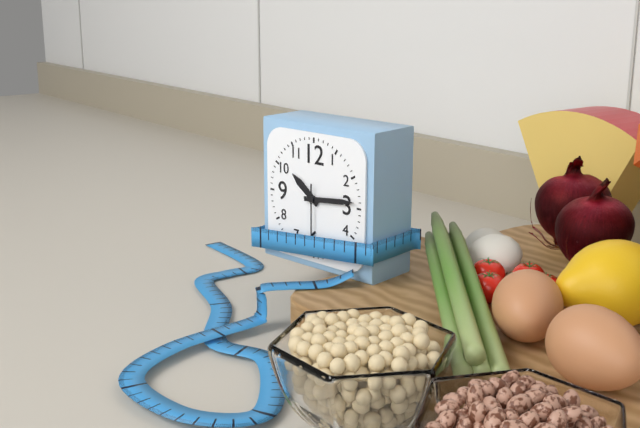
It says 10:14
